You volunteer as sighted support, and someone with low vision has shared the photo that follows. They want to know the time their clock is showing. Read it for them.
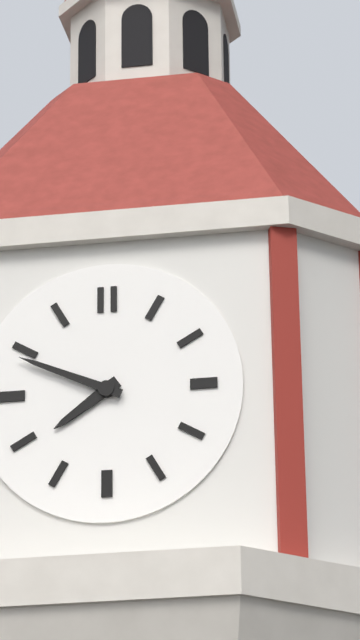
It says 7:49
